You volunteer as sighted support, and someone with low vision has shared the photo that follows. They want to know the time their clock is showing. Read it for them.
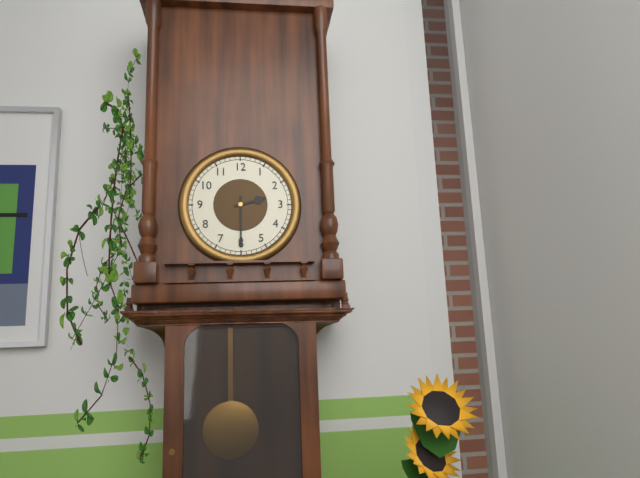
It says 2:30
